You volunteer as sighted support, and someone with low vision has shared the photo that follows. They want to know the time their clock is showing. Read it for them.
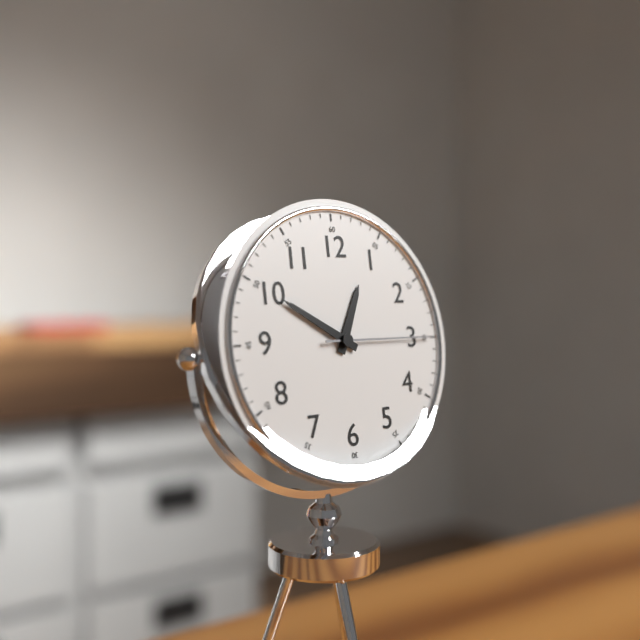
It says 12:50:15
